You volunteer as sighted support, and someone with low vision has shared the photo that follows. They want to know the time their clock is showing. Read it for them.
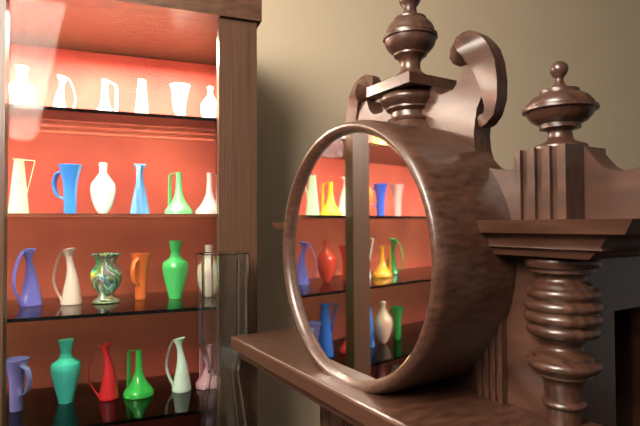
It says 4:53
